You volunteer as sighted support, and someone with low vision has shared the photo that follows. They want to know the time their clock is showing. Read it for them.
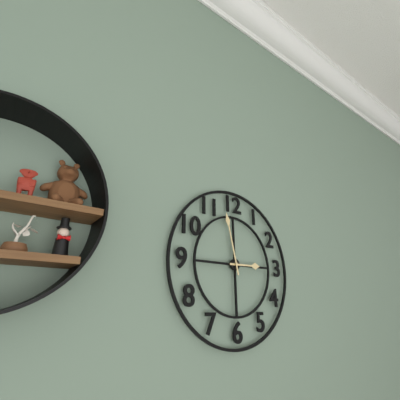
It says 2:58
